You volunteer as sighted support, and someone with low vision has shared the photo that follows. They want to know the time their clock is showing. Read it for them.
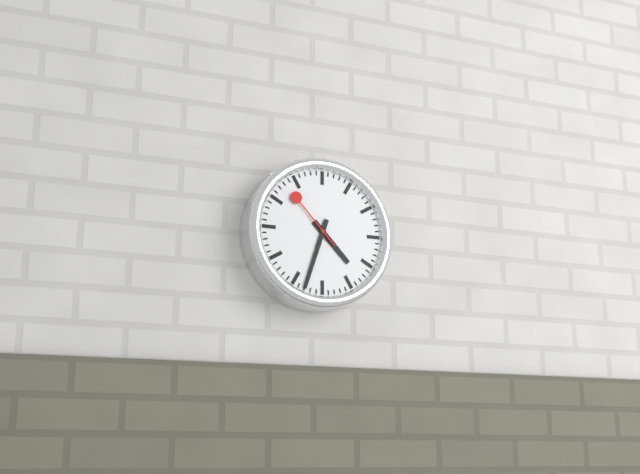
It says 4:33:53
